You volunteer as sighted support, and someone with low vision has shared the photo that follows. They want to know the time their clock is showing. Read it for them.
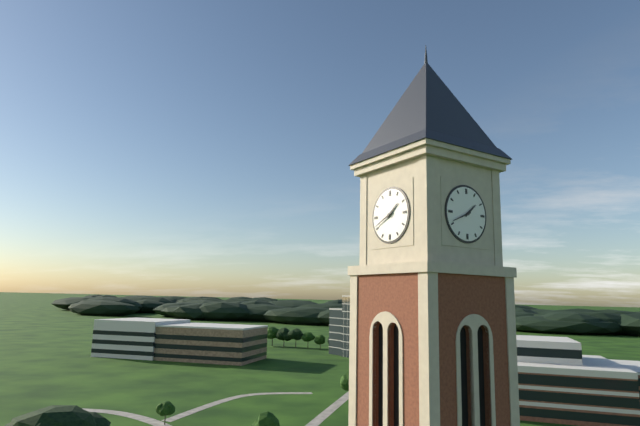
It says 1:41
